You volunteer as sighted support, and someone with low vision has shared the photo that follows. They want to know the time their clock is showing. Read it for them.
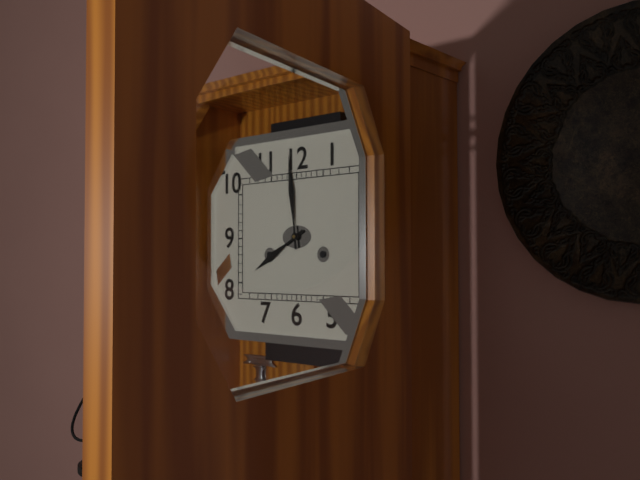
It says 7:59
